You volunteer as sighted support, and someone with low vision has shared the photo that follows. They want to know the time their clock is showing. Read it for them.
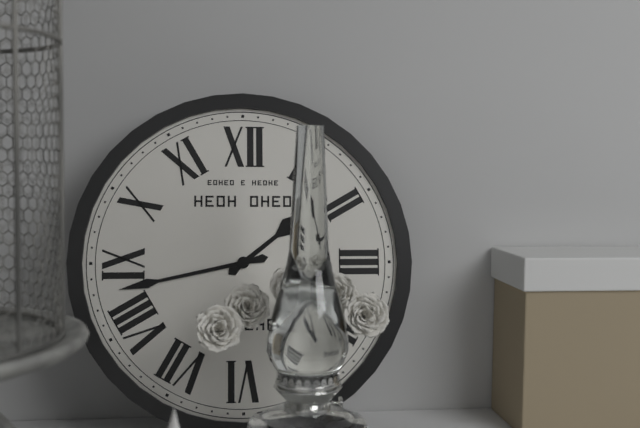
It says 1:43
